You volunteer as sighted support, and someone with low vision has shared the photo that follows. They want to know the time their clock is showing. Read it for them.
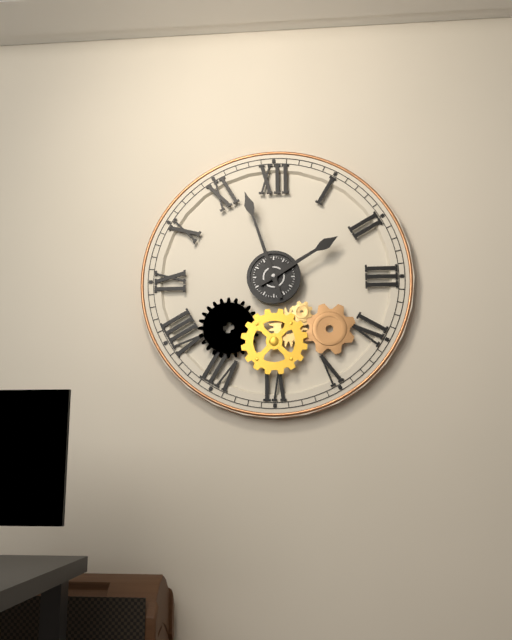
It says 1:57
